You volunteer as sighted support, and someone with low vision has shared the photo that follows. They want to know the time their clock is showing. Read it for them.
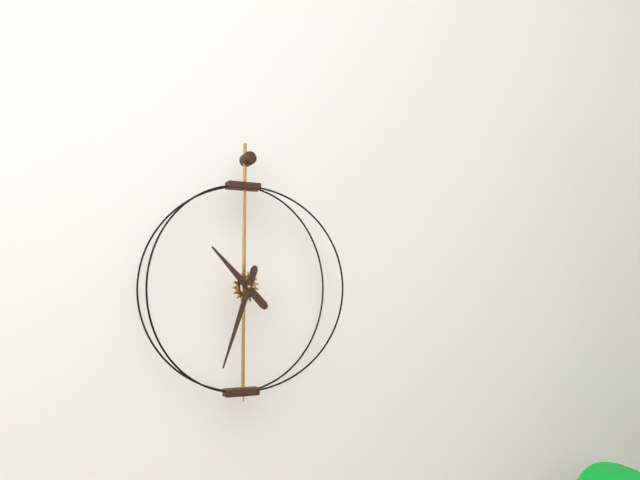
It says 10:33
